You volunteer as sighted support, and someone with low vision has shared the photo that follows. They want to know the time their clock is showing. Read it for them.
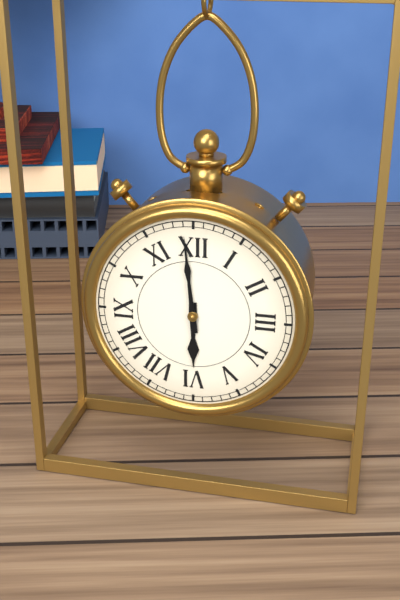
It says 5:59
